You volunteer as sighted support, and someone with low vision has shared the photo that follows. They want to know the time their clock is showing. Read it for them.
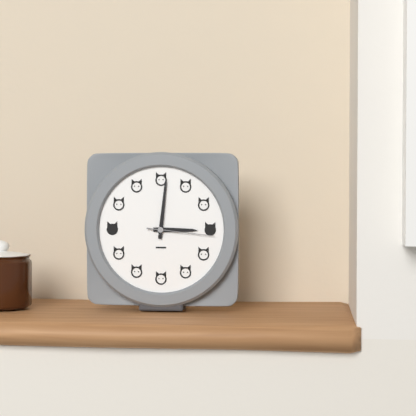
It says 3:01:16
